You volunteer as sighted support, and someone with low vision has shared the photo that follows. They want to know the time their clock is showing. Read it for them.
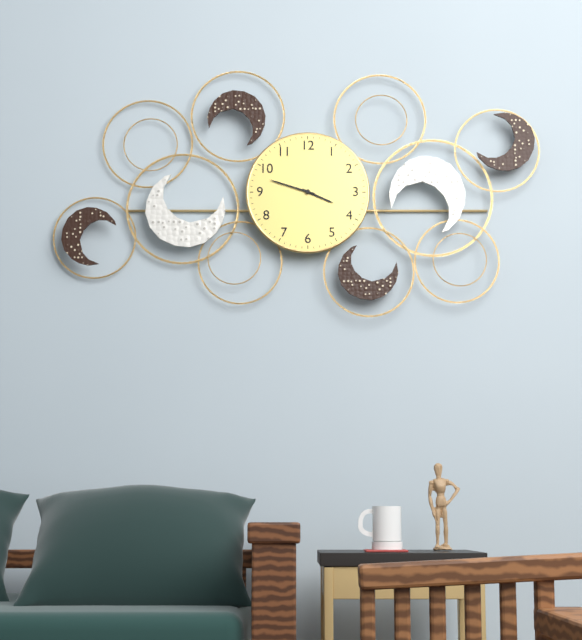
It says 3:48
